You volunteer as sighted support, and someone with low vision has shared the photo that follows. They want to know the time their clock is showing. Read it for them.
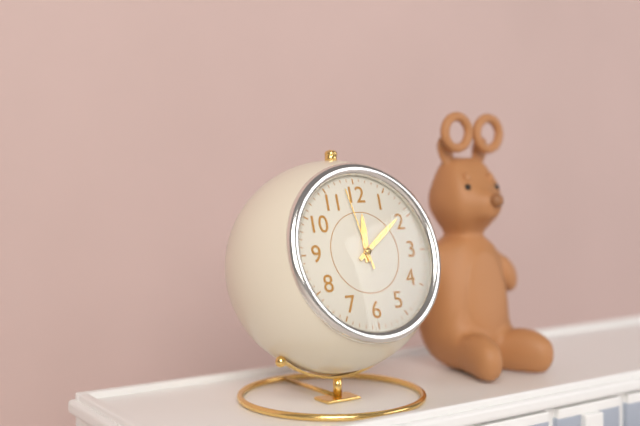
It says 12:09:58
